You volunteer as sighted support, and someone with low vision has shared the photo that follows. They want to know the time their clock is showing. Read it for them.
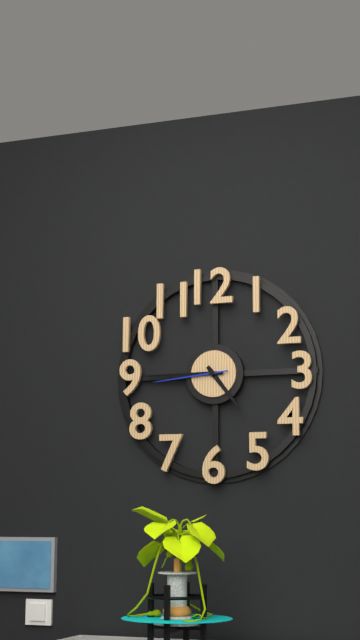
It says 4:45:44
